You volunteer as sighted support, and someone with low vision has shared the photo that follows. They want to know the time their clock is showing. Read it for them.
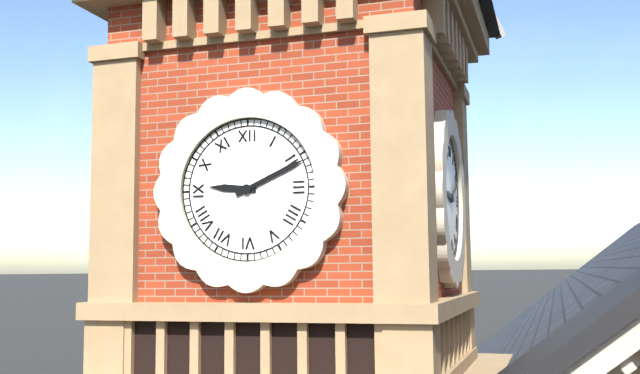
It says 9:11
